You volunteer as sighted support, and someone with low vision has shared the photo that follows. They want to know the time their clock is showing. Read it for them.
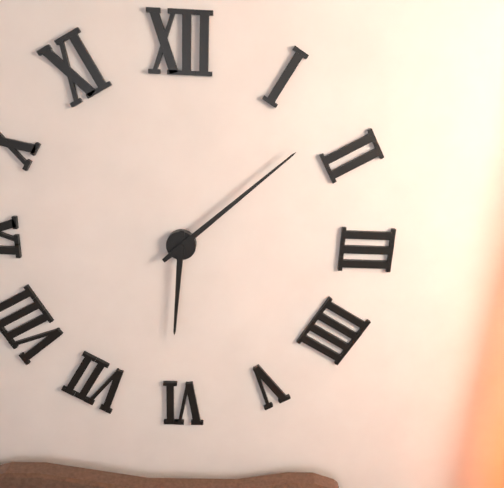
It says 6:08
